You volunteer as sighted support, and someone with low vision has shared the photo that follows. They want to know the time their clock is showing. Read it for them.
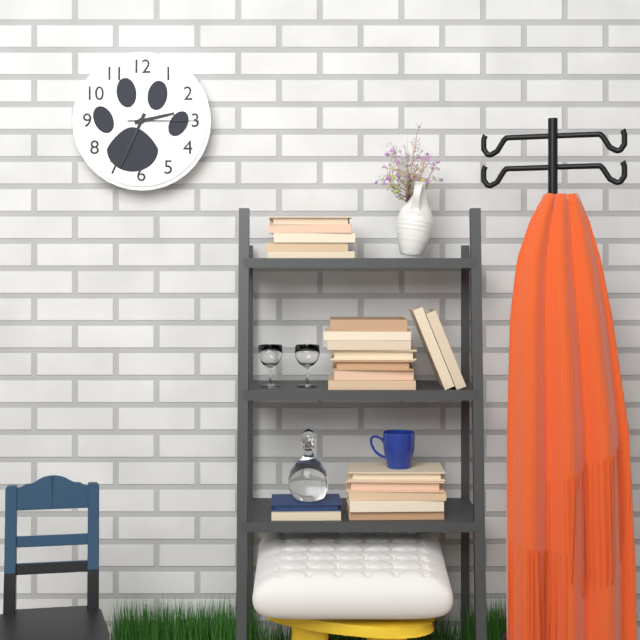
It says 2:34:15
